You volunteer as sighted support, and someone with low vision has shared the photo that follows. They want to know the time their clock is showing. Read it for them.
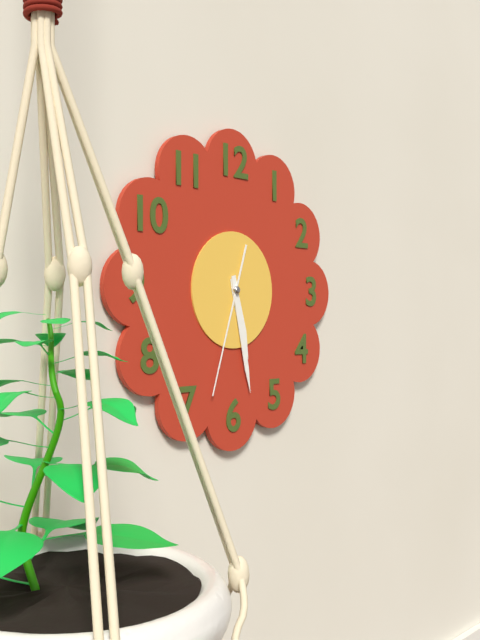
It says 5:28:33
